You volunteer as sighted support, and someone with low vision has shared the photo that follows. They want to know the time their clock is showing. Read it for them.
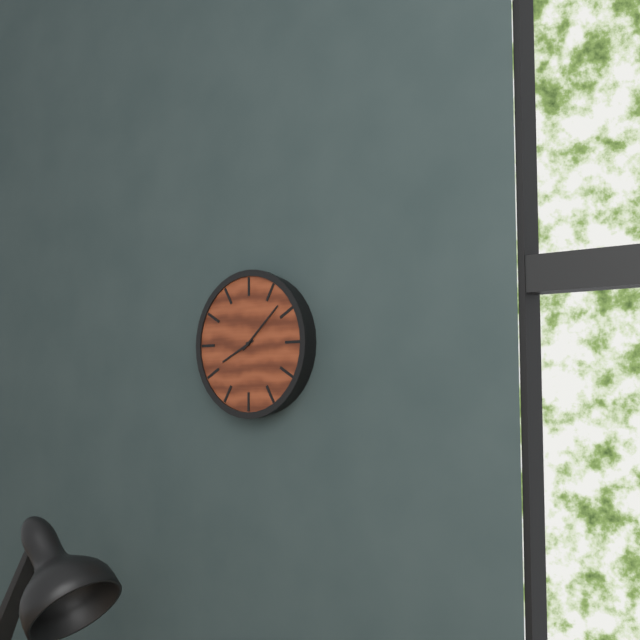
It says 8:08
